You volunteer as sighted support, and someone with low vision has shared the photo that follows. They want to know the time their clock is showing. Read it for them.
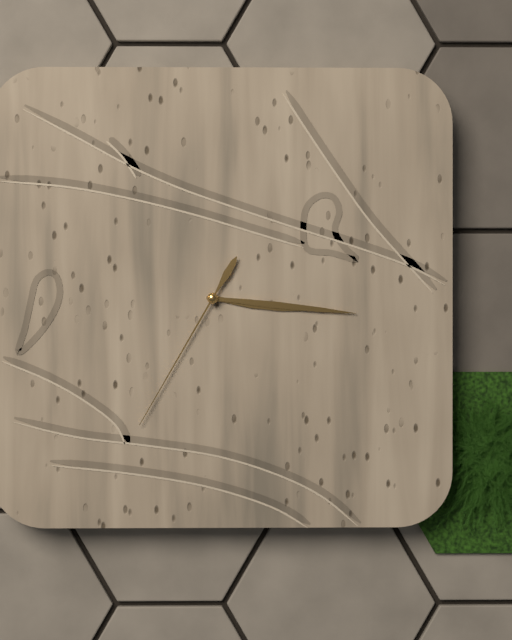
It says 3:16:35
